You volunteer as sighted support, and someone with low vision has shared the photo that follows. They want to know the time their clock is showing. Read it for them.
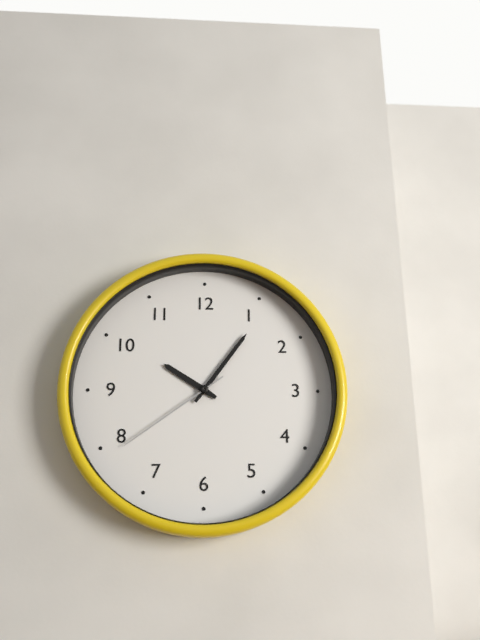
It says 10:06:39
